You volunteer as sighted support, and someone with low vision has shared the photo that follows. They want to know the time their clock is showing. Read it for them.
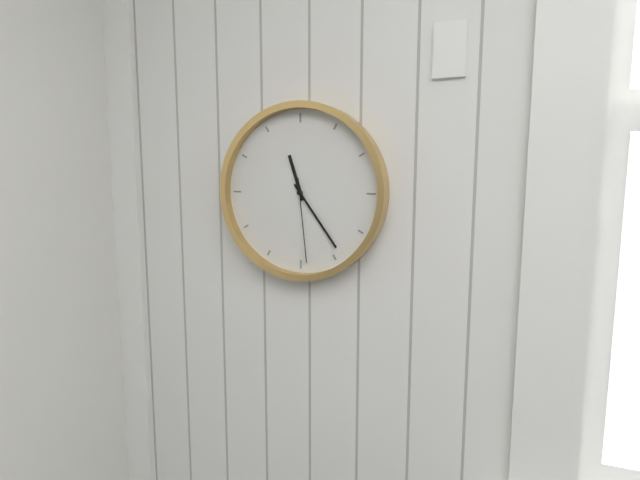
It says 11:24:29
